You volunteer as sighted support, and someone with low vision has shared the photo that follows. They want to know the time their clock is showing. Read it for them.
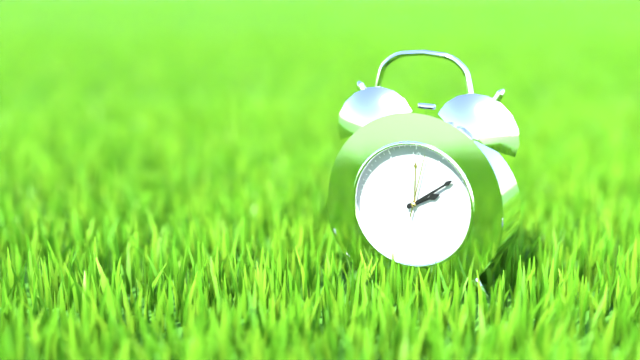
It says 2:09:02
